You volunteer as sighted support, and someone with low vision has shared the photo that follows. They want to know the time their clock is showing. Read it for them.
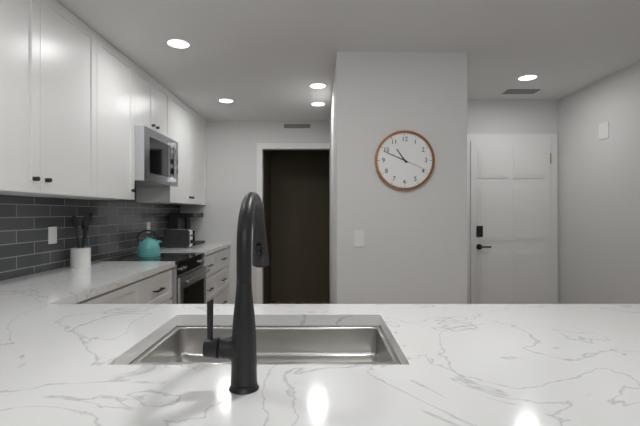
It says 10:49
